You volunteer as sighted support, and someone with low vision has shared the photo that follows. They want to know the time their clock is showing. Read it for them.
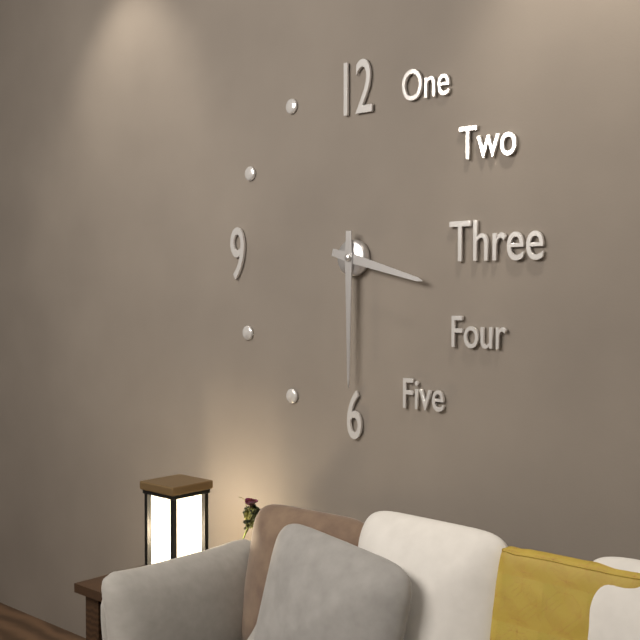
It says 3:30
